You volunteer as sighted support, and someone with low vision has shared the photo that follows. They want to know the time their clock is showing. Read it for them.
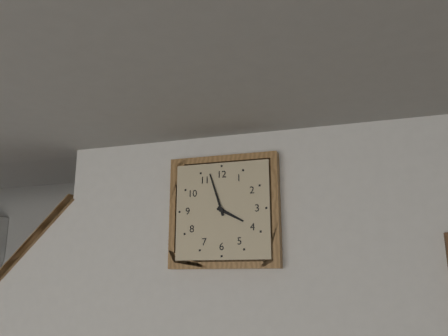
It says 3:57
